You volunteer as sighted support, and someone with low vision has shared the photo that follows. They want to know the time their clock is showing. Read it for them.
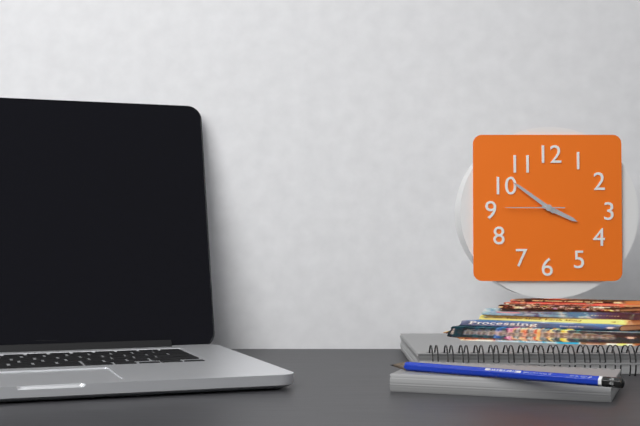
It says 3:51:45
